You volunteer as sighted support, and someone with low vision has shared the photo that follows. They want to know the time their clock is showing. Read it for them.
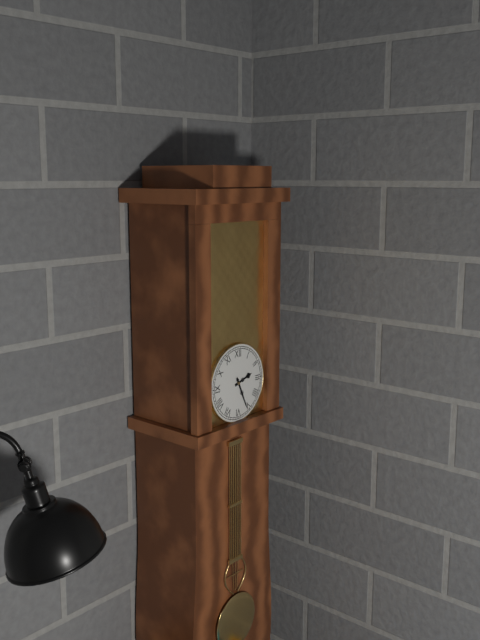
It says 2:26
